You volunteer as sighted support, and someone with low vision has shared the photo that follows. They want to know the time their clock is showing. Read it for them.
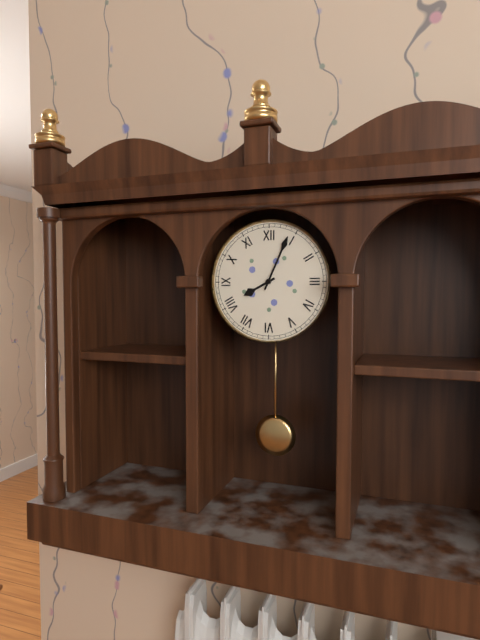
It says 8:04
